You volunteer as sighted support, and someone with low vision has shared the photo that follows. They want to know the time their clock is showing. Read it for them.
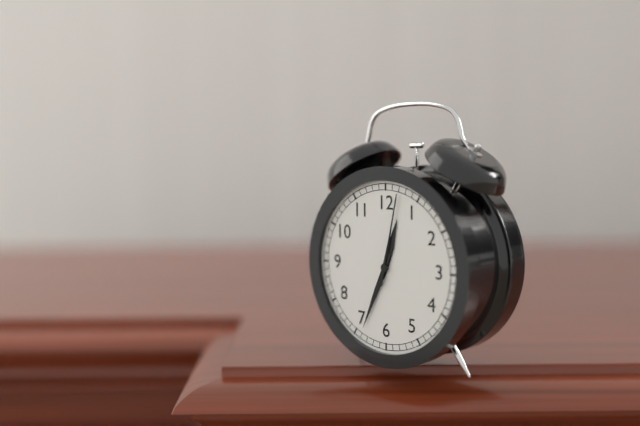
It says 12:34:02
